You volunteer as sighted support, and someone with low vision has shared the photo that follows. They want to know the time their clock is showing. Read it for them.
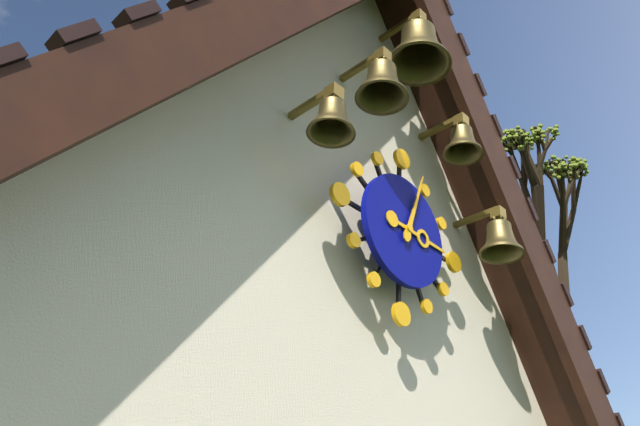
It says 3:03
